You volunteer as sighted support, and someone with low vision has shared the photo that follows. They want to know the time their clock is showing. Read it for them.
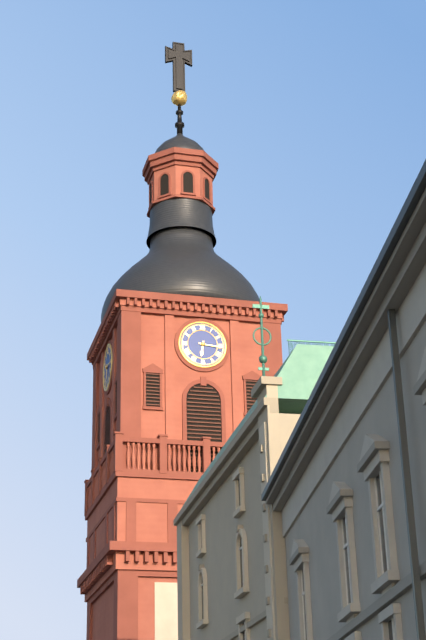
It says 6:16
